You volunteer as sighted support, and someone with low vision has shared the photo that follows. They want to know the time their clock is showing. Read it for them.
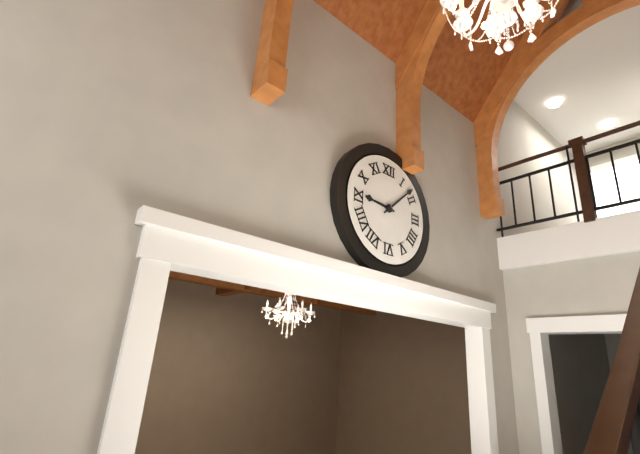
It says 9:08
